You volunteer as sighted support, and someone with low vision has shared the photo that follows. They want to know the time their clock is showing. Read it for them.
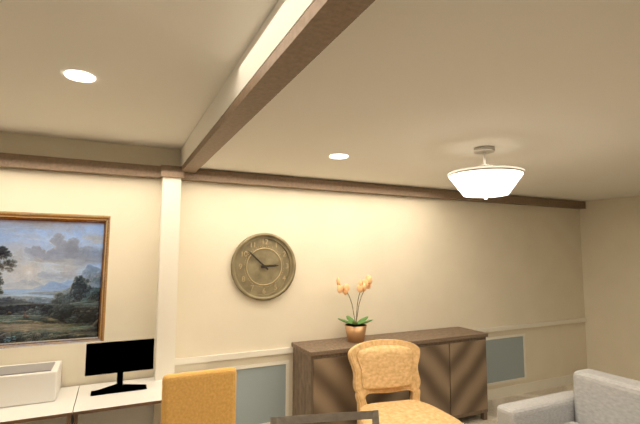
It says 2:52
